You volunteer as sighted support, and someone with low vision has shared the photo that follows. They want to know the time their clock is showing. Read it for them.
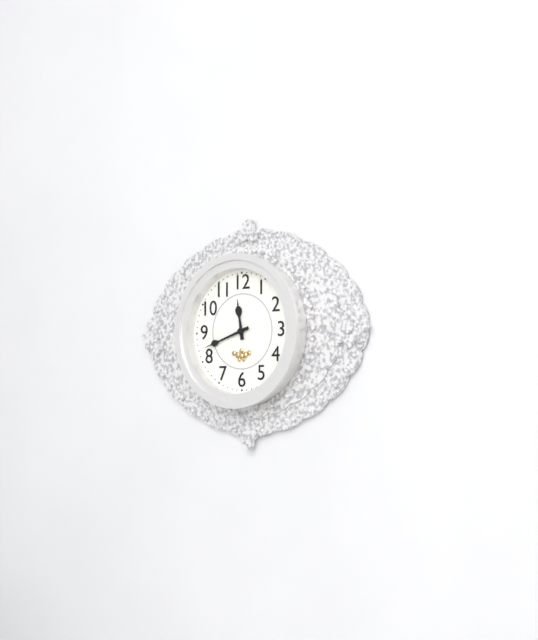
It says 11:42
